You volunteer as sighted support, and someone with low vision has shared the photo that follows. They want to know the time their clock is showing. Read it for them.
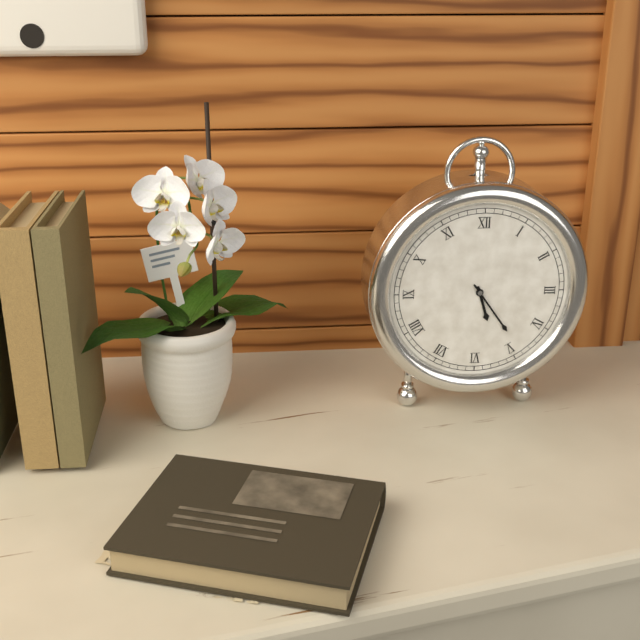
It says 5:24
